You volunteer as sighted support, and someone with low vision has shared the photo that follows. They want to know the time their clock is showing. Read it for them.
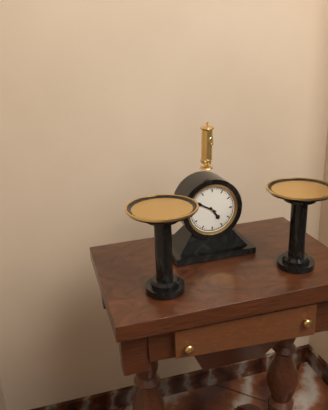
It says 4:50
